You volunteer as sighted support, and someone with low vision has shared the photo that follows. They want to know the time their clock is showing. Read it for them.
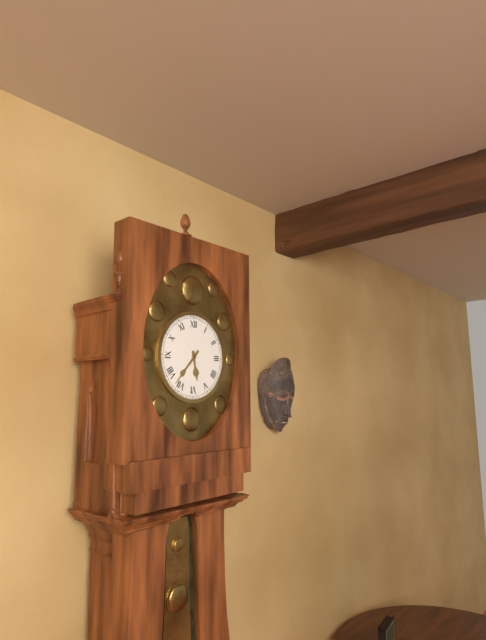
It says 5:37
